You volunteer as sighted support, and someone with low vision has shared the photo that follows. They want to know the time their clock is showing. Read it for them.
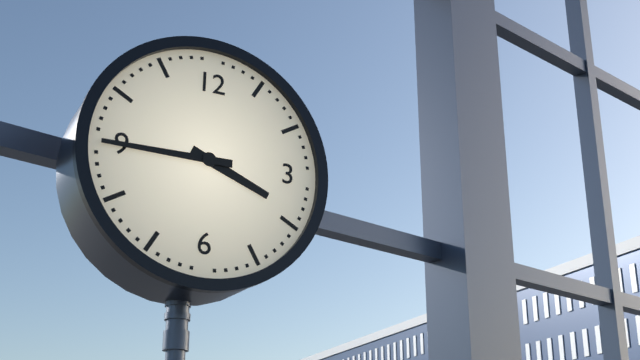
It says 3:45
